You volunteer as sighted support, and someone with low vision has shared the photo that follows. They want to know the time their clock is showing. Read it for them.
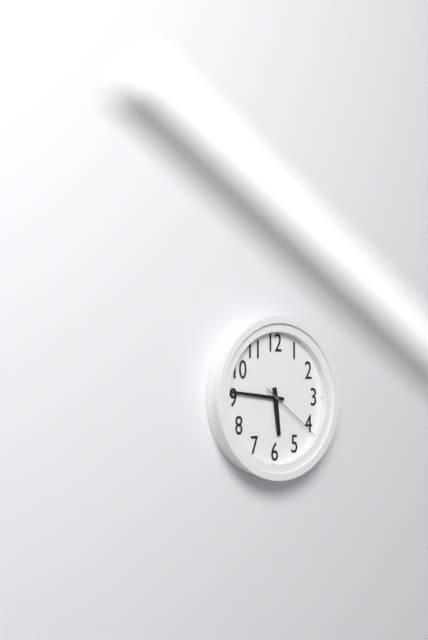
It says 5:46:21
